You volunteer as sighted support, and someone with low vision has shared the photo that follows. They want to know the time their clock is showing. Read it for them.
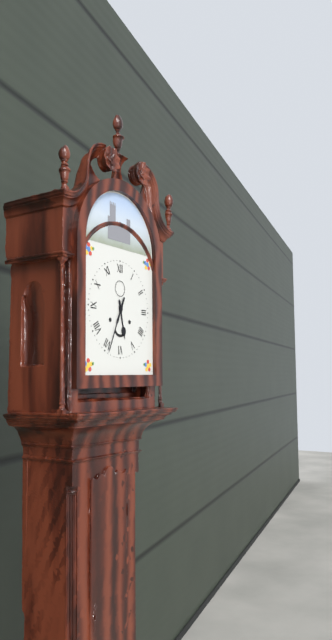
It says 5:34
